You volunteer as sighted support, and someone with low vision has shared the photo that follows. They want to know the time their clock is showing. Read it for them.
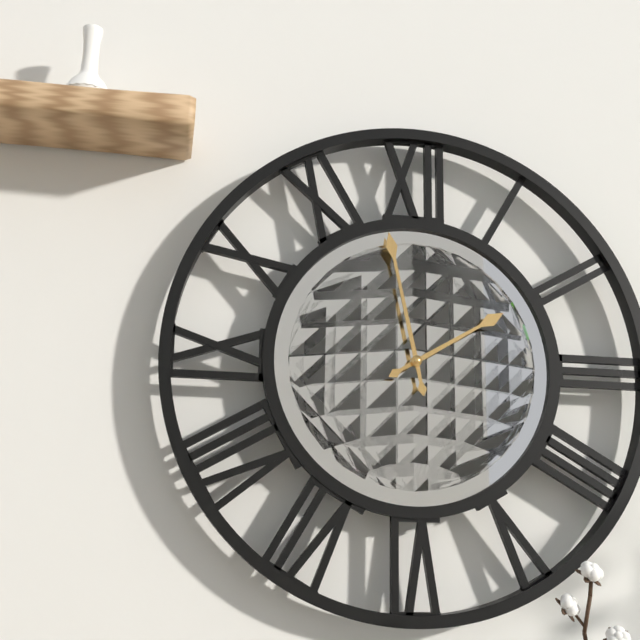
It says 1:58
